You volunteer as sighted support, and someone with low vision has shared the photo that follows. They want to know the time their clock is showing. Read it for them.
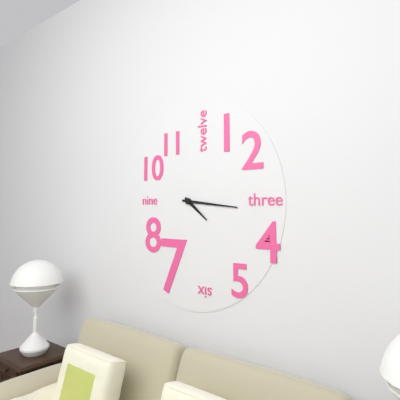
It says 4:16
